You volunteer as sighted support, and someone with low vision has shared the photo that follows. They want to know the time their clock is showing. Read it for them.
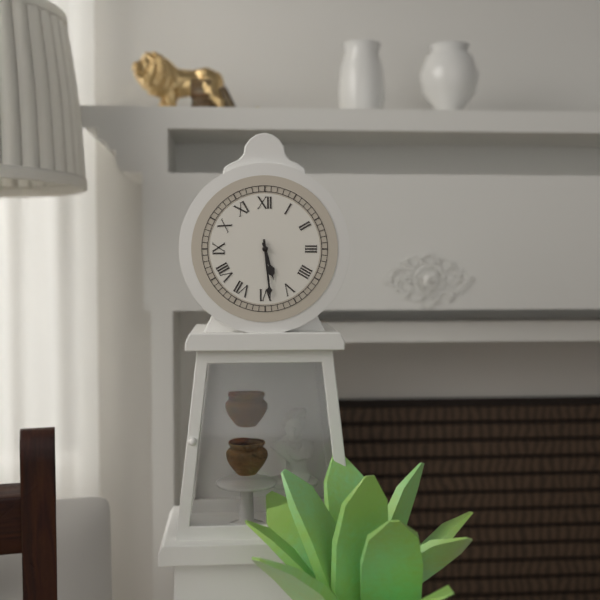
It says 5:29
